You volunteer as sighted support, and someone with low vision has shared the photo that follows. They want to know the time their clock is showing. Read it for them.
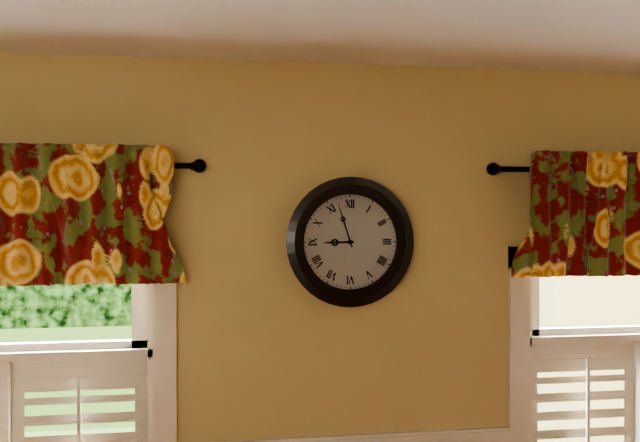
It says 8:57
